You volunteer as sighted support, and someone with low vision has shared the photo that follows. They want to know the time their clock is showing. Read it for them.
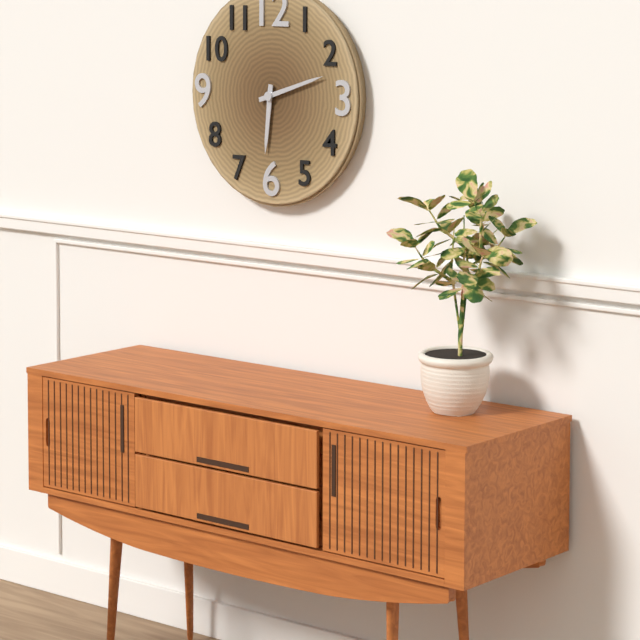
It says 6:12
